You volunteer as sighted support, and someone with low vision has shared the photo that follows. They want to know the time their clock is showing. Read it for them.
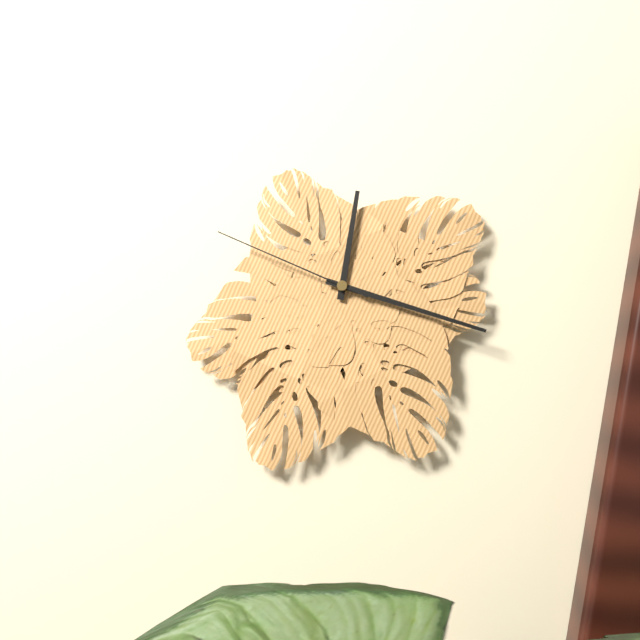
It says 12:18:49
